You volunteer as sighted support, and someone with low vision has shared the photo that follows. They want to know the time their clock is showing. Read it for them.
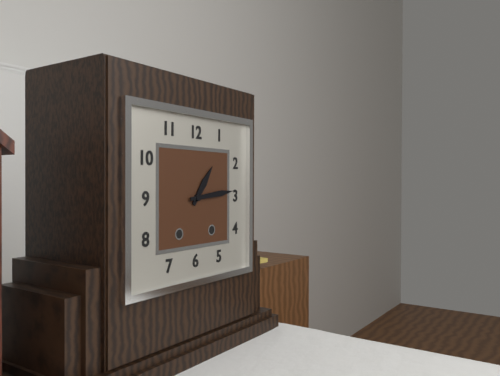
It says 1:14
